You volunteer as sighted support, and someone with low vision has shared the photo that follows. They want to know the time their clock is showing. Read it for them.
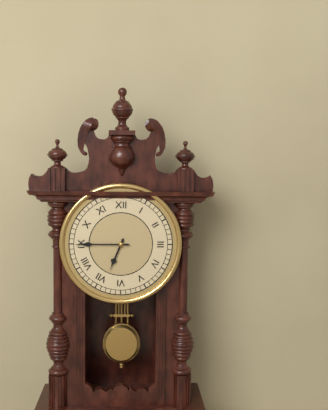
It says 6:45
